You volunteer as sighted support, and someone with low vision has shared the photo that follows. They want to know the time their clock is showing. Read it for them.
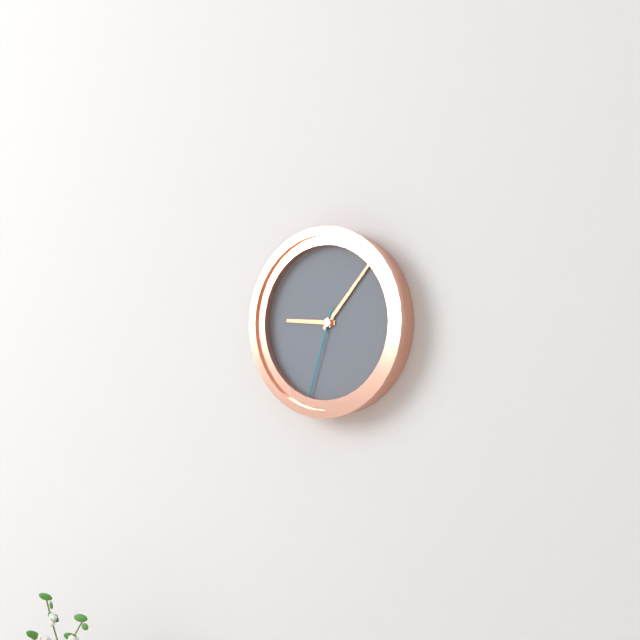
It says 9:07:33
